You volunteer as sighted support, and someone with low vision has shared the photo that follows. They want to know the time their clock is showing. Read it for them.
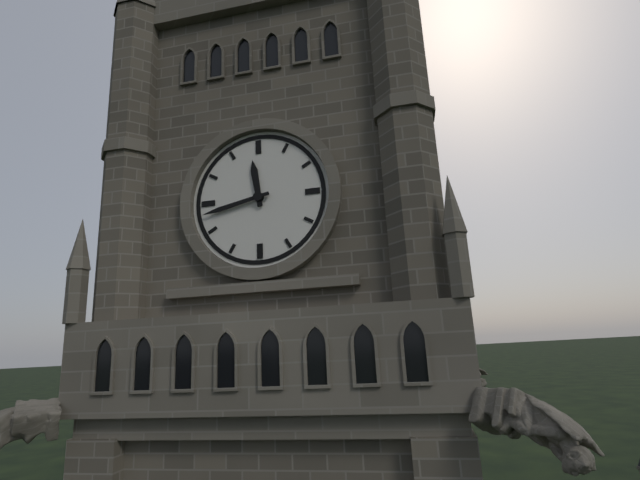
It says 11:43
